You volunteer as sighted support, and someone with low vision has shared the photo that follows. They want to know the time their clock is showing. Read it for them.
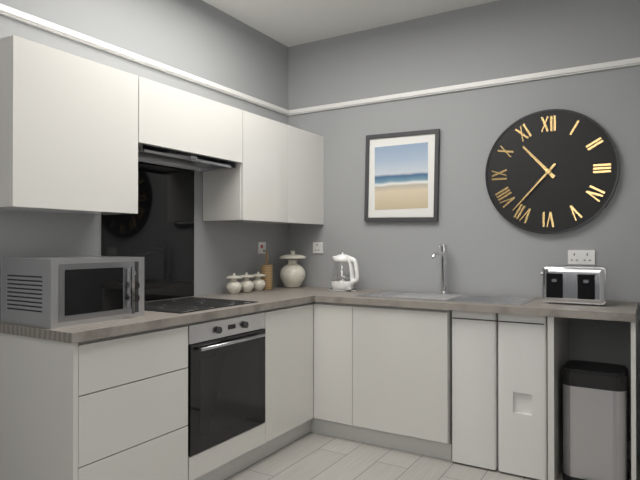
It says 10:37
